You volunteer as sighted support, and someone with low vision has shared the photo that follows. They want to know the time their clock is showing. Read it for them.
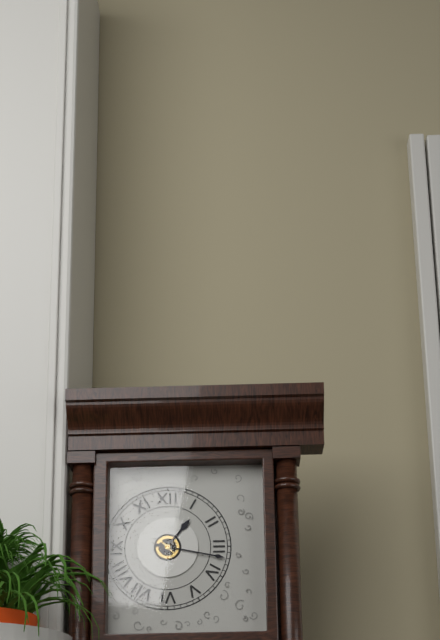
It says 1:17
